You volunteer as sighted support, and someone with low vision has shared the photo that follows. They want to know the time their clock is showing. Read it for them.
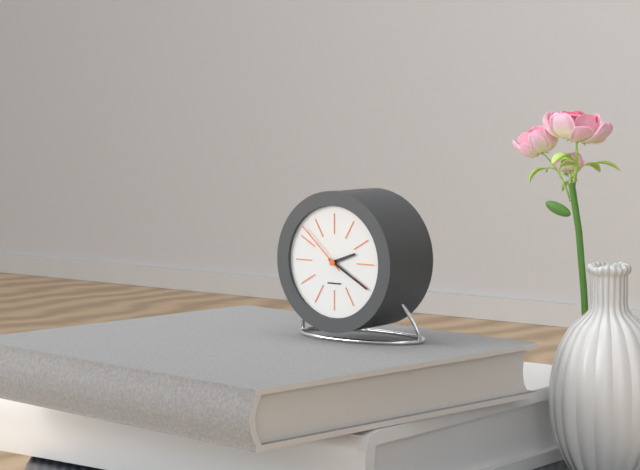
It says 2:20:52
